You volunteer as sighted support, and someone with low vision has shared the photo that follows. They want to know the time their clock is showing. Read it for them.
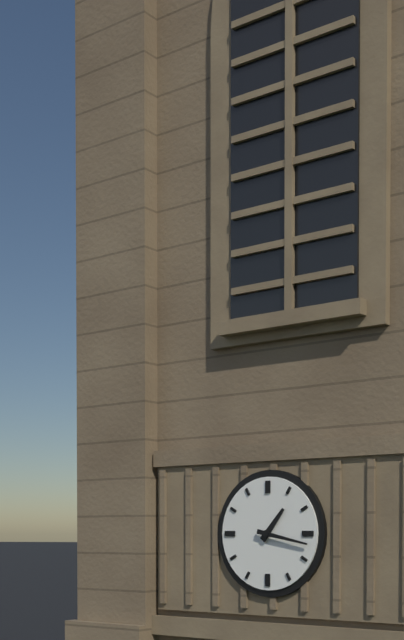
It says 1:17
